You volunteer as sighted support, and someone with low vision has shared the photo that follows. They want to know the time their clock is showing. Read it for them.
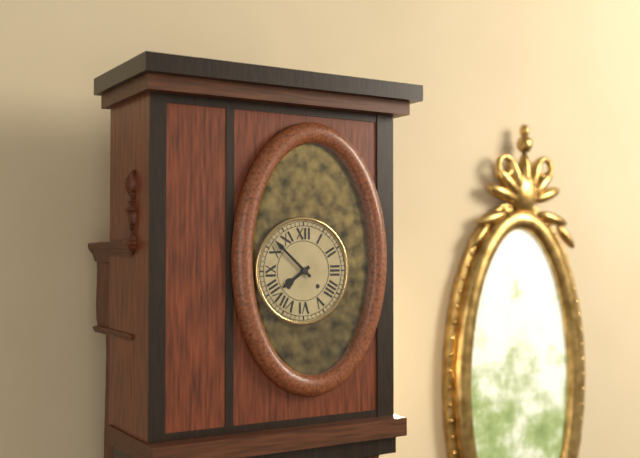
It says 7:52
